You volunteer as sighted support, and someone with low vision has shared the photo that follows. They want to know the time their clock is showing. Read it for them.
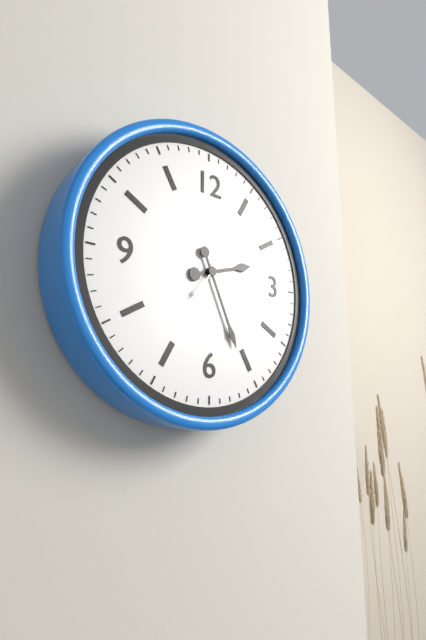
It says 2:26:06
